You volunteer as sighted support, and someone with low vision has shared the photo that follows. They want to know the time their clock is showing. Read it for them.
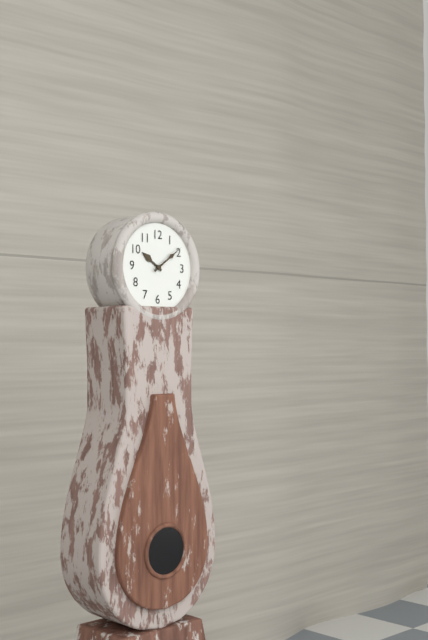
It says 10:09
